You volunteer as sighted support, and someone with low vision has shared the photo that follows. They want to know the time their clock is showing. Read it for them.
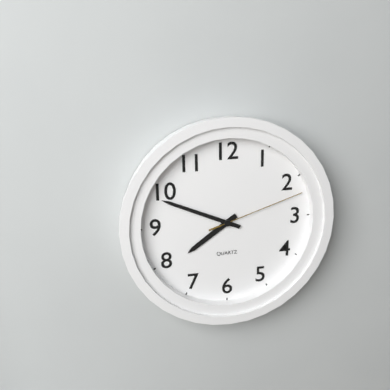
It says 7:49:12
